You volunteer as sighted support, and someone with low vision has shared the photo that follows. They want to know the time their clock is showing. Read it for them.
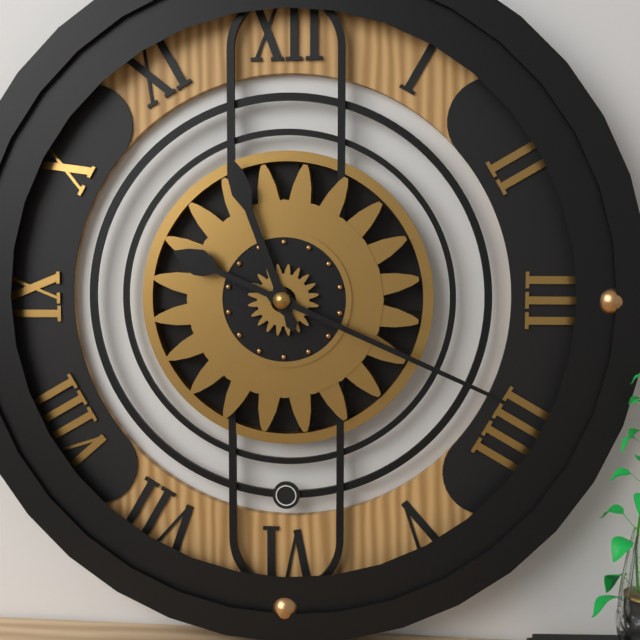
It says 11:19
